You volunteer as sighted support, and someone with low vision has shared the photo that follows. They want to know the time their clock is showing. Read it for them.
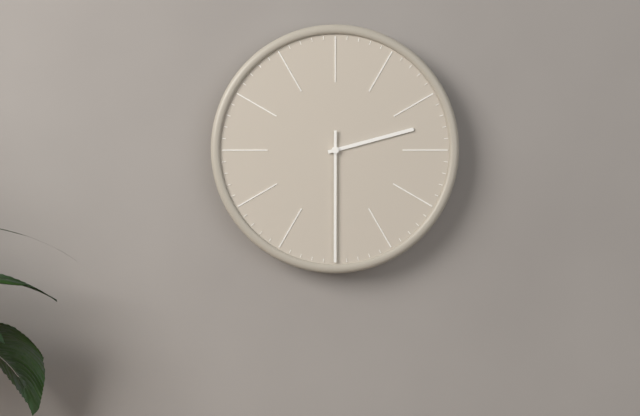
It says 2:30
